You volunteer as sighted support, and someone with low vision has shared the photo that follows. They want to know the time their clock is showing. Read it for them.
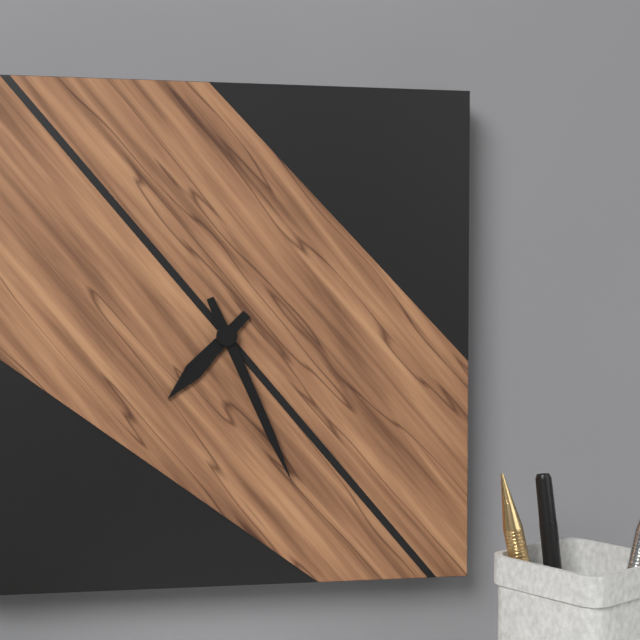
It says 7:26
